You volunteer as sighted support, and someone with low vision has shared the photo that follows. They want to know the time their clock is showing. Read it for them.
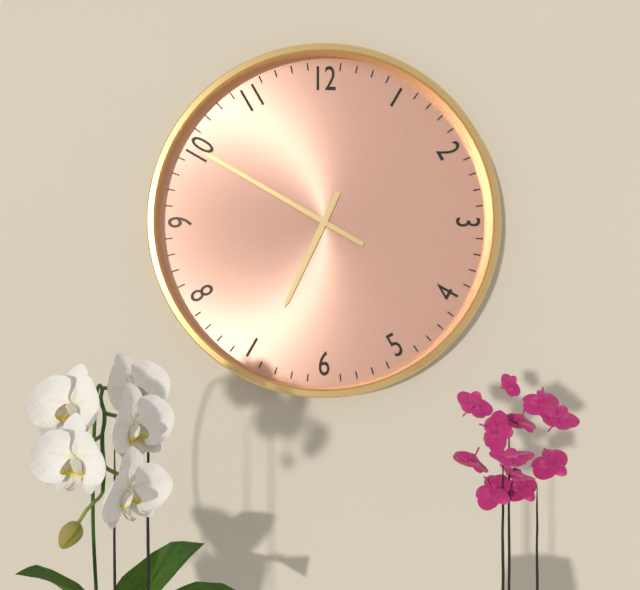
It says 6:50
